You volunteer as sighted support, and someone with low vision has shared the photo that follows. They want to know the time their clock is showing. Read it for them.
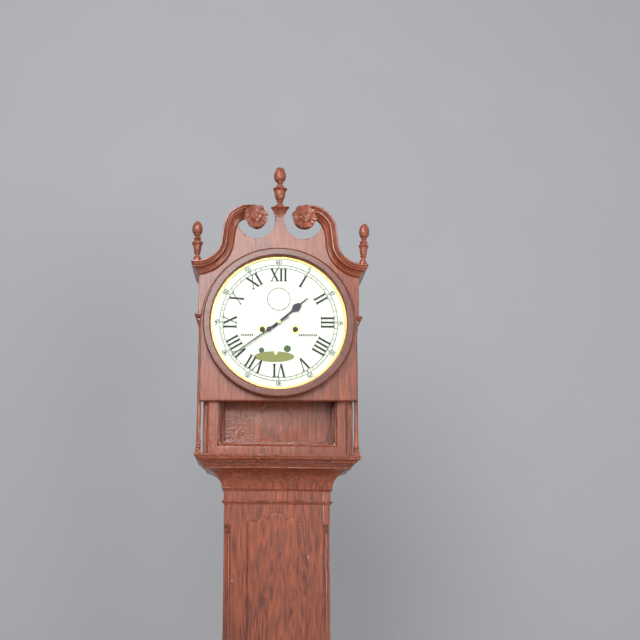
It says 1:39
